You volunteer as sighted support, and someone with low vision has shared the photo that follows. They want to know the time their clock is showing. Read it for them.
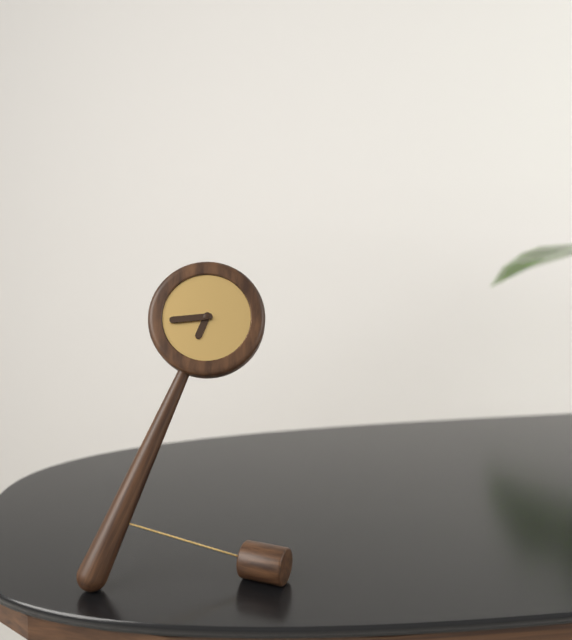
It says 6:44
